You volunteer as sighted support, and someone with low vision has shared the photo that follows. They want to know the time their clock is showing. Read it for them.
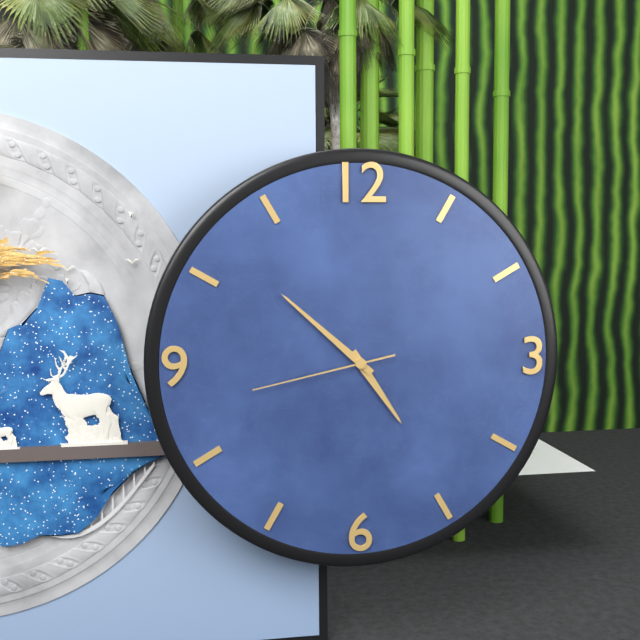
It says 4:52:43
